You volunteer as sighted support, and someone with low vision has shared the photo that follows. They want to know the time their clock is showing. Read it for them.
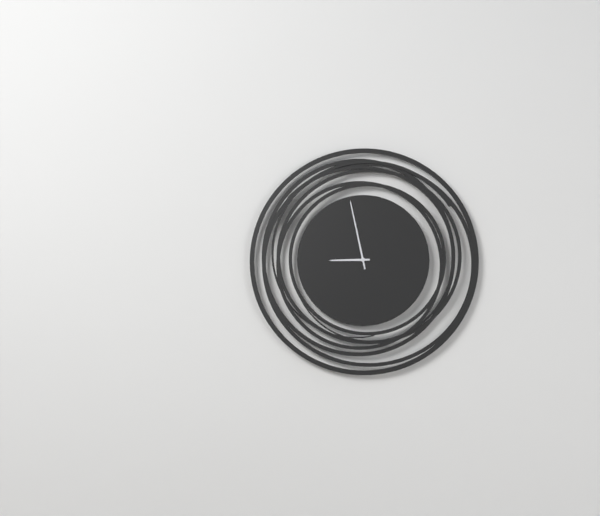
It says 8:58
